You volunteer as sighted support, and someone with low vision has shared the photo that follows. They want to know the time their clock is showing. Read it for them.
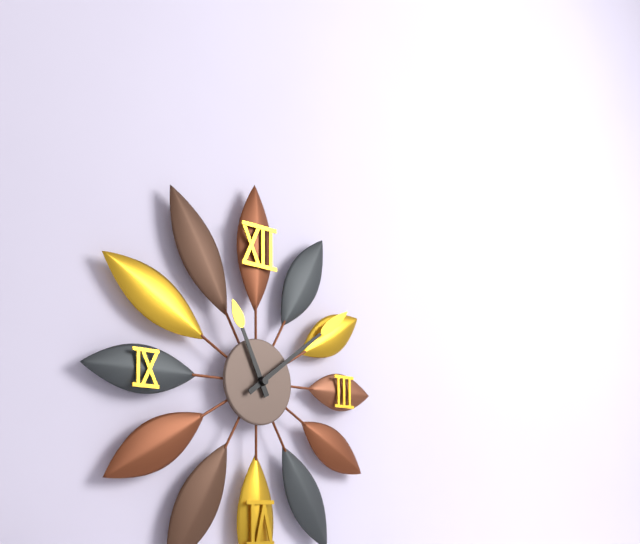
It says 11:09
